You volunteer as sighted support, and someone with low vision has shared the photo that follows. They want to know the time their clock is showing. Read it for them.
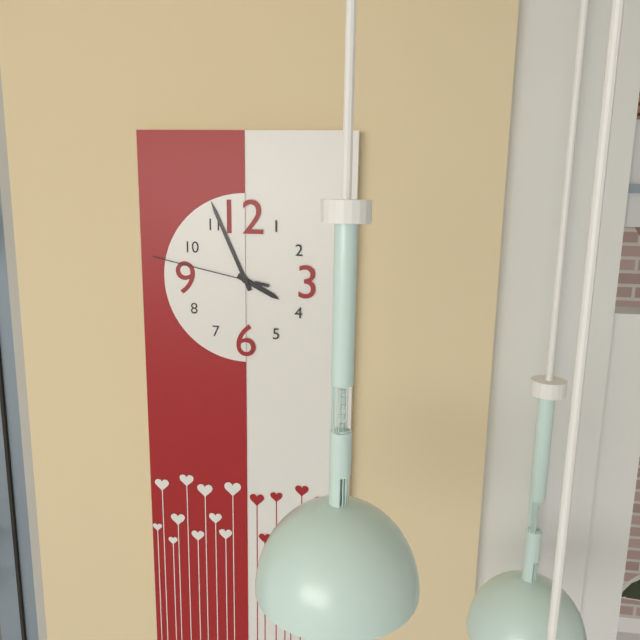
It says 3:56:47
